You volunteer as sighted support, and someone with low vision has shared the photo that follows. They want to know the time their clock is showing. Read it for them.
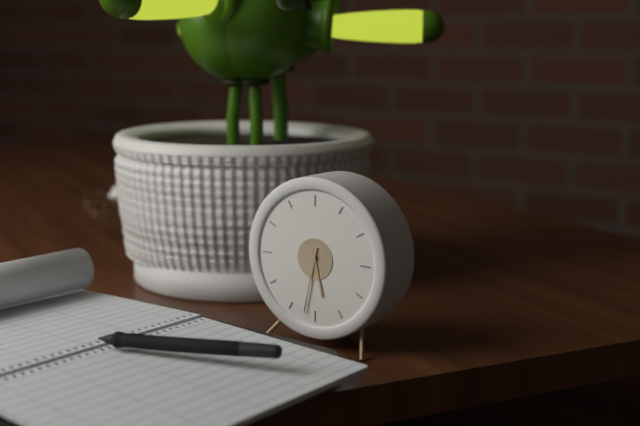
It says 5:32
